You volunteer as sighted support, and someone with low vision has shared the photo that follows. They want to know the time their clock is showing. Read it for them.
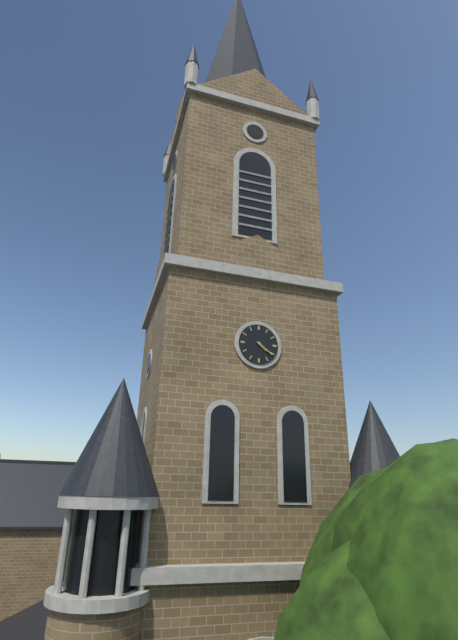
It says 4:21
